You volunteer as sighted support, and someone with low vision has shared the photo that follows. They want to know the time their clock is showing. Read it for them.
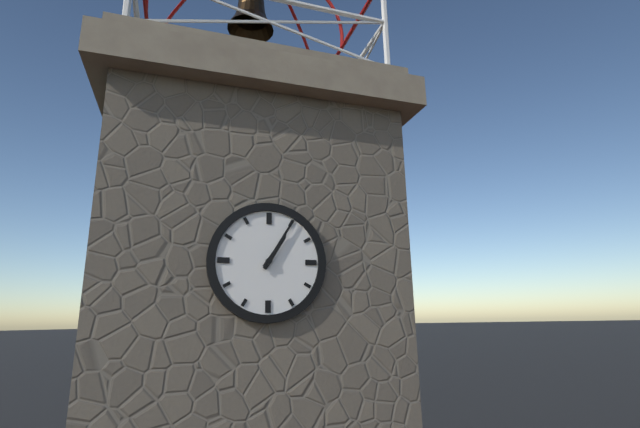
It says 1:05
